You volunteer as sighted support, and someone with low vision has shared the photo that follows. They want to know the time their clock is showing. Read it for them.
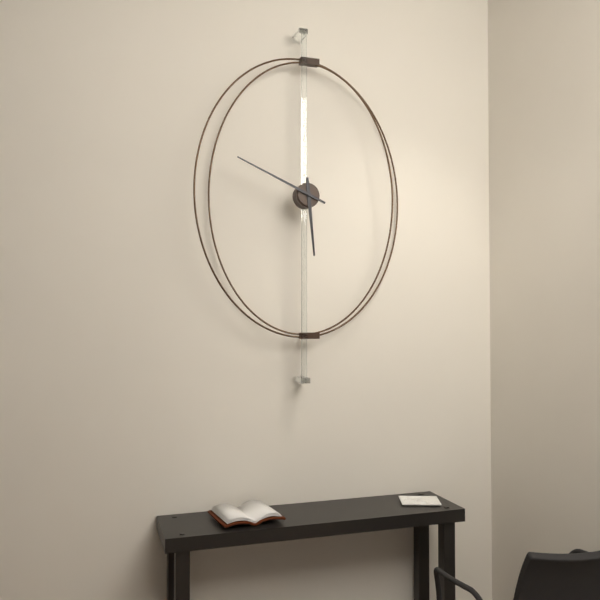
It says 5:49
